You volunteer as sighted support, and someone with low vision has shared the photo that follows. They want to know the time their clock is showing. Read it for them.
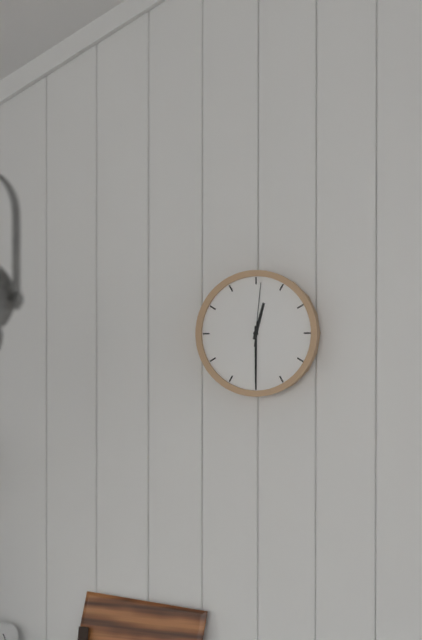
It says 12:30:01
